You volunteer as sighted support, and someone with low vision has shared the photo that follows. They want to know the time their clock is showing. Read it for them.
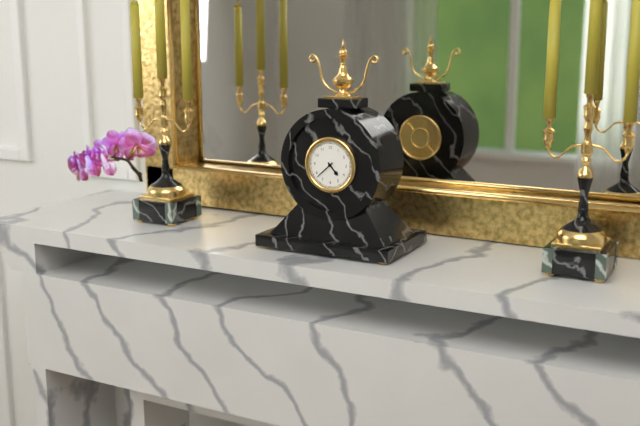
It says 4:38
